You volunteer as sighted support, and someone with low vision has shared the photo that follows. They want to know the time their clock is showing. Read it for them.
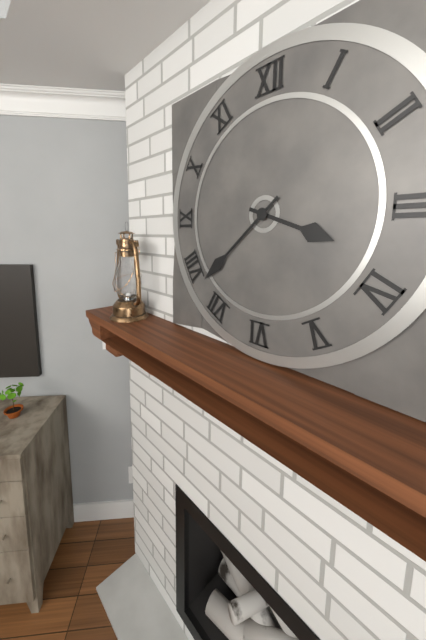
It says 3:38
